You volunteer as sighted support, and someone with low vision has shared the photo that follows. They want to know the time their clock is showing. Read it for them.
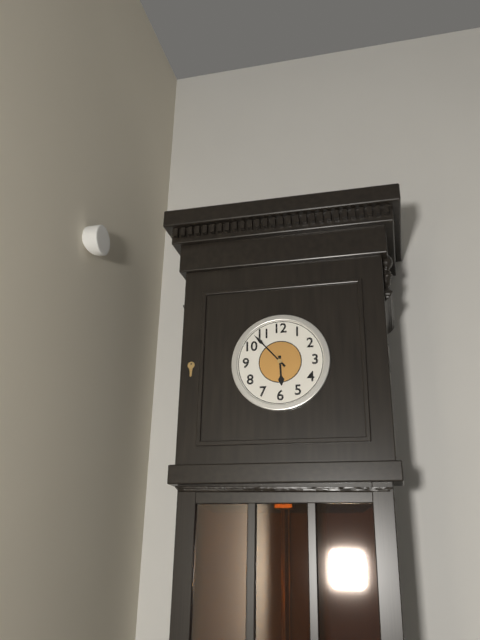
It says 5:53
